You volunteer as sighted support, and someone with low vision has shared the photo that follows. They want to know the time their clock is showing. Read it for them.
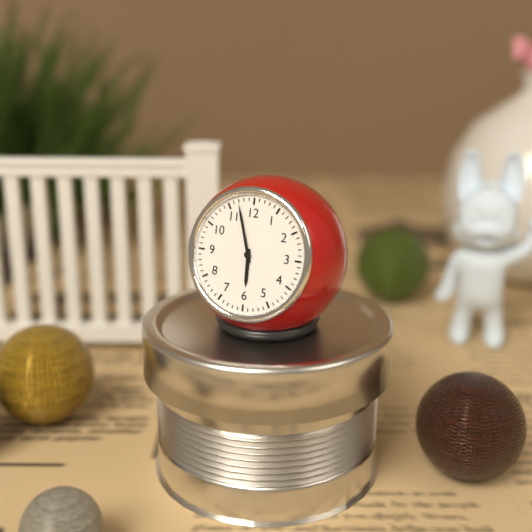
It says 5:57
